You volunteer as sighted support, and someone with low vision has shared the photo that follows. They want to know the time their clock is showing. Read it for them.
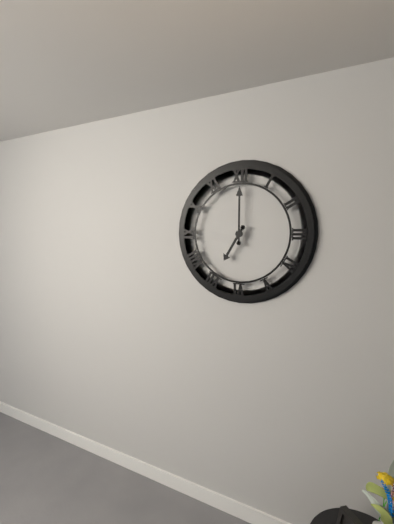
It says 7:00
